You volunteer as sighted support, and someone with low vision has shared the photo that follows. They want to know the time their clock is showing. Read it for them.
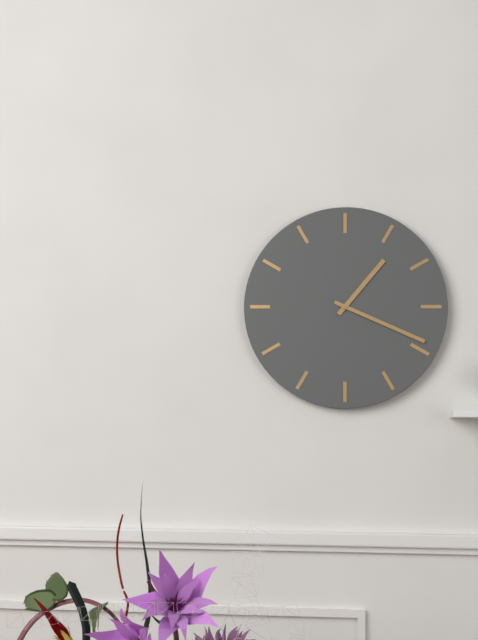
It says 1:19
